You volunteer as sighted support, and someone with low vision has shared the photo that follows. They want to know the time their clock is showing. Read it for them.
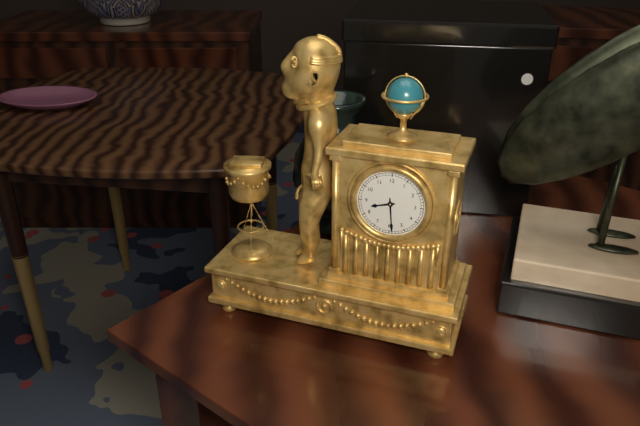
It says 8:29
